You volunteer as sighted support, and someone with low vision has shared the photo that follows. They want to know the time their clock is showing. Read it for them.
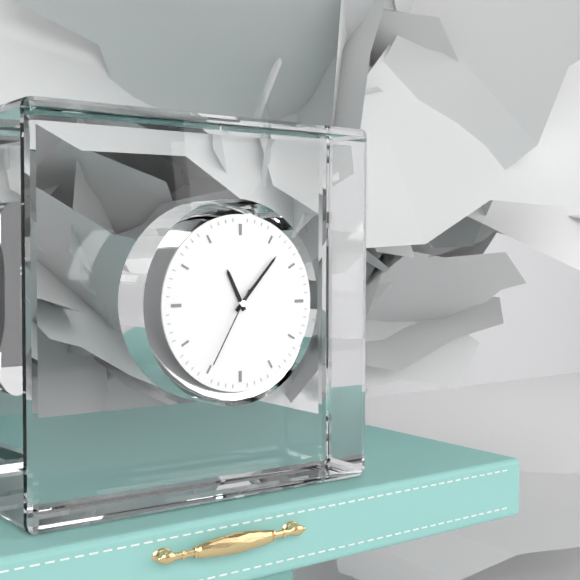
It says 11:07:35
